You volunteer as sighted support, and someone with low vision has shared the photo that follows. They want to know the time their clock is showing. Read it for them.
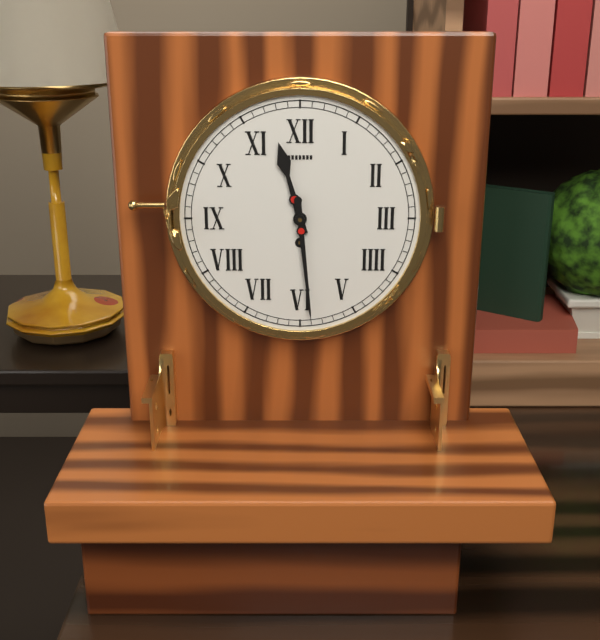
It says 11:29
